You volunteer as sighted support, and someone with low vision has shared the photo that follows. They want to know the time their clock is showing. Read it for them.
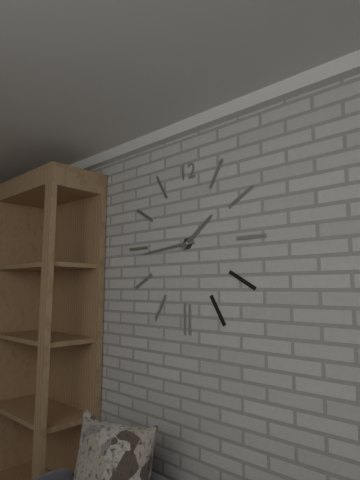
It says 1:44
